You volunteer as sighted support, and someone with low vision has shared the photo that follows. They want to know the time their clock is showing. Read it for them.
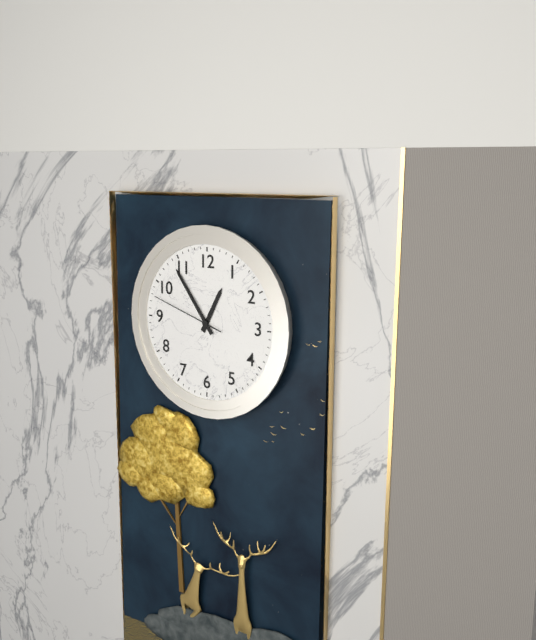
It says 12:54:48
